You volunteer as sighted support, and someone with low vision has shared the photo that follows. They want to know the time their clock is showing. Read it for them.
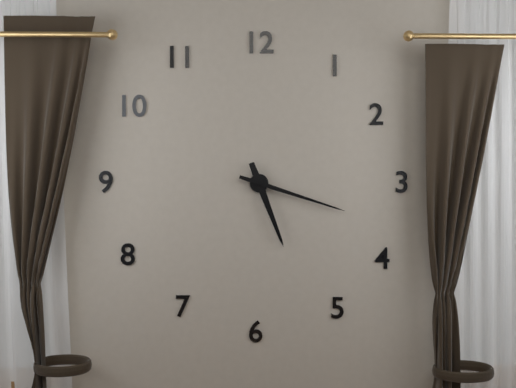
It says 5:18
